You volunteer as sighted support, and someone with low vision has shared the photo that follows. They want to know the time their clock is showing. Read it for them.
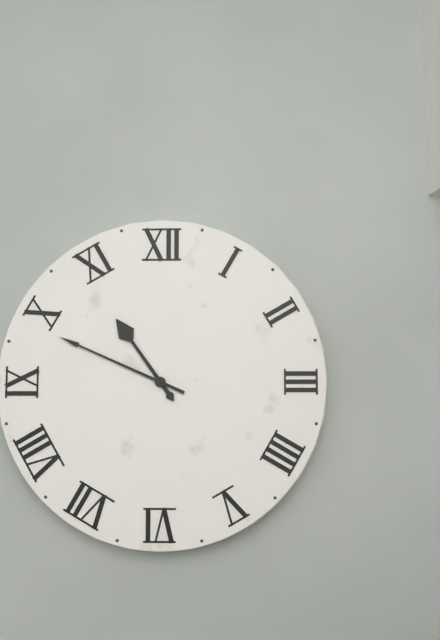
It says 10:49
